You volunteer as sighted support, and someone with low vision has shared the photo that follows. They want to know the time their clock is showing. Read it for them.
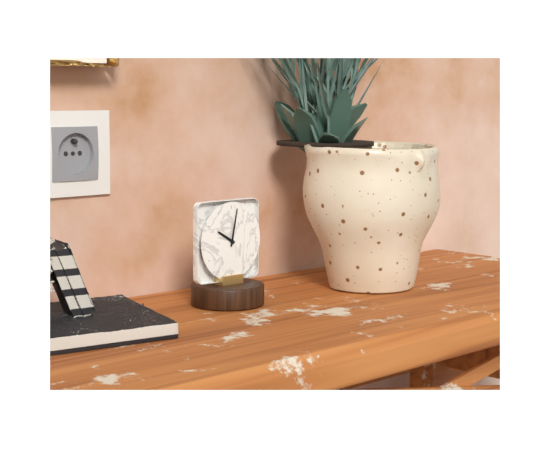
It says 10:02
